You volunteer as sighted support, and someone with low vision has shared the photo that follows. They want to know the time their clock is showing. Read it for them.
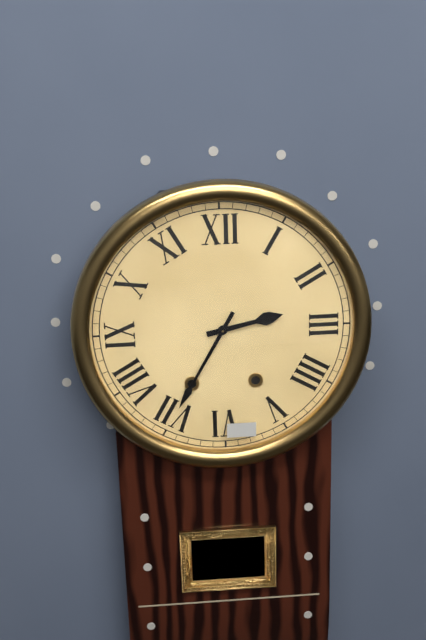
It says 2:35
